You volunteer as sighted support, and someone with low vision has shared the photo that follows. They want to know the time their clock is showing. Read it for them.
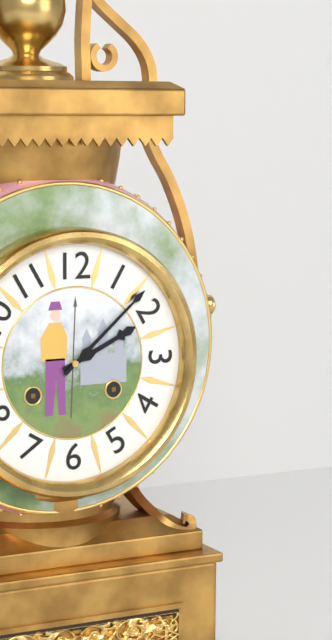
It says 2:08
